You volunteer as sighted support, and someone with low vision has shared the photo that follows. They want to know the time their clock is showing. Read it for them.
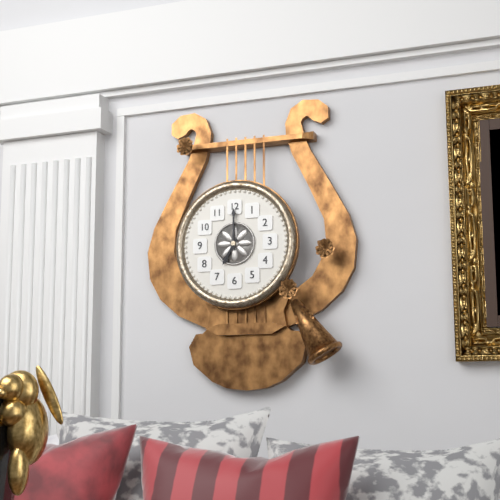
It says 7:00
